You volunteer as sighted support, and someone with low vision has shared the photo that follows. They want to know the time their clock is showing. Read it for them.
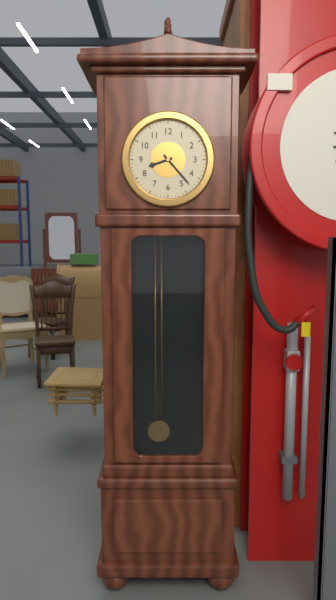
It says 8:23
